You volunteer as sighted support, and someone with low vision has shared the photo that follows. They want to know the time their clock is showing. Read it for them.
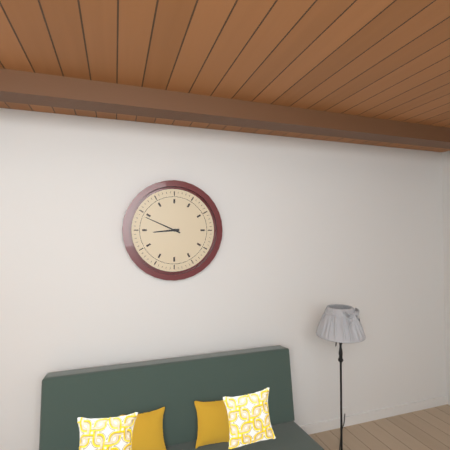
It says 8:49
